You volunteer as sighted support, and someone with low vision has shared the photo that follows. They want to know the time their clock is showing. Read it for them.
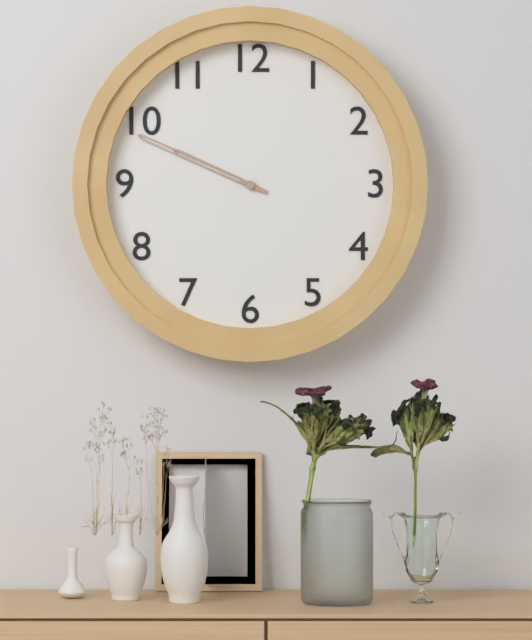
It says 9:49
